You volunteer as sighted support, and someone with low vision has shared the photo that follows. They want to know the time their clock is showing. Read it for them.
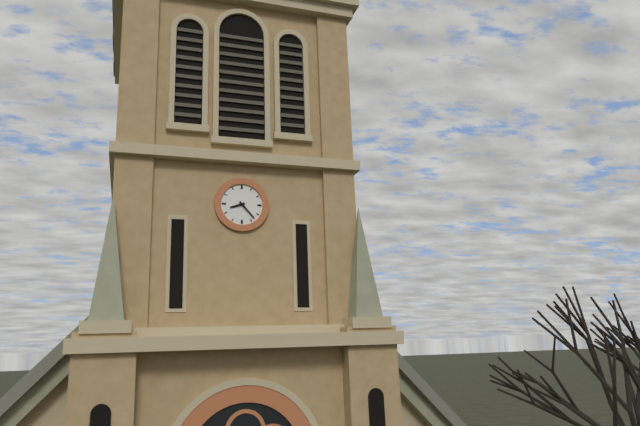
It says 8:23
